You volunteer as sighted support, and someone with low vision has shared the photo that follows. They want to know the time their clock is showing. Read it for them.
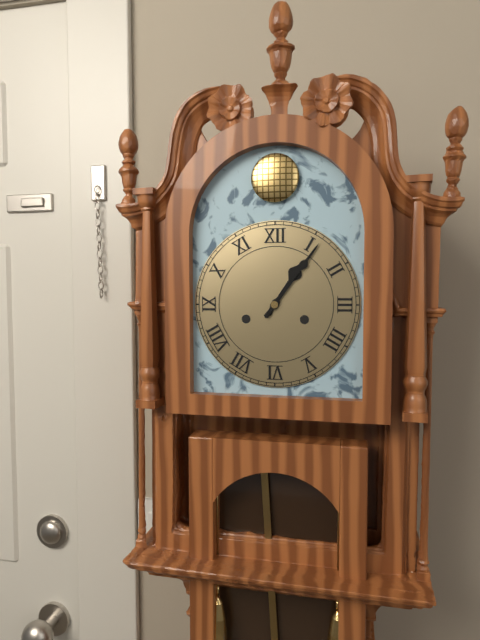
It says 1:06
